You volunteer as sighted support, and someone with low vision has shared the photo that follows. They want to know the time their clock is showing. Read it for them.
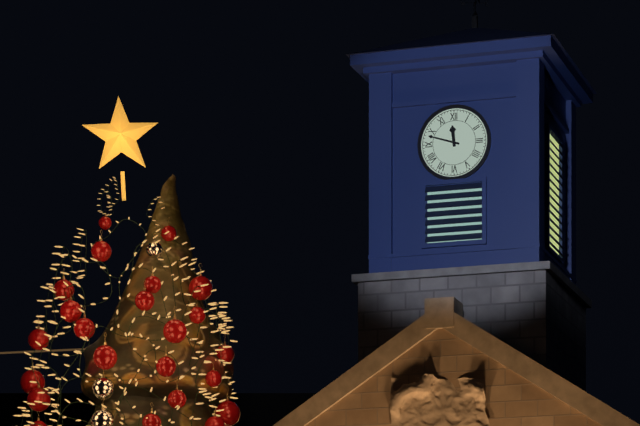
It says 11:48
